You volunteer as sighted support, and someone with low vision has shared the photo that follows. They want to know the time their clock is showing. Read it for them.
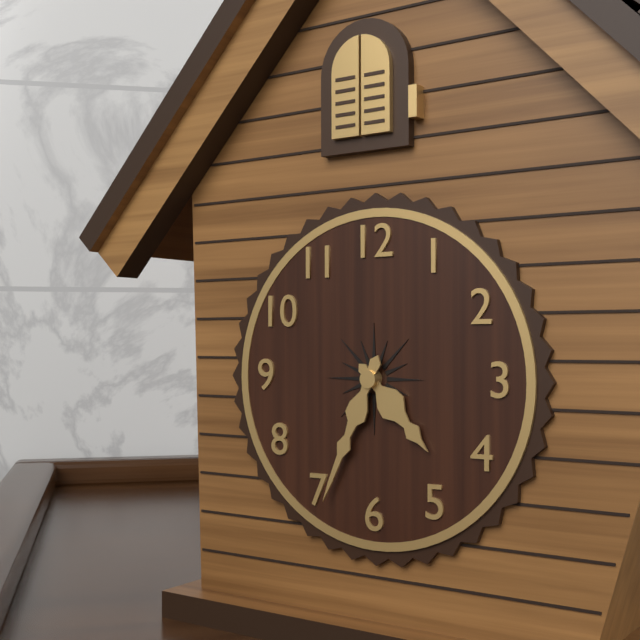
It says 4:34
